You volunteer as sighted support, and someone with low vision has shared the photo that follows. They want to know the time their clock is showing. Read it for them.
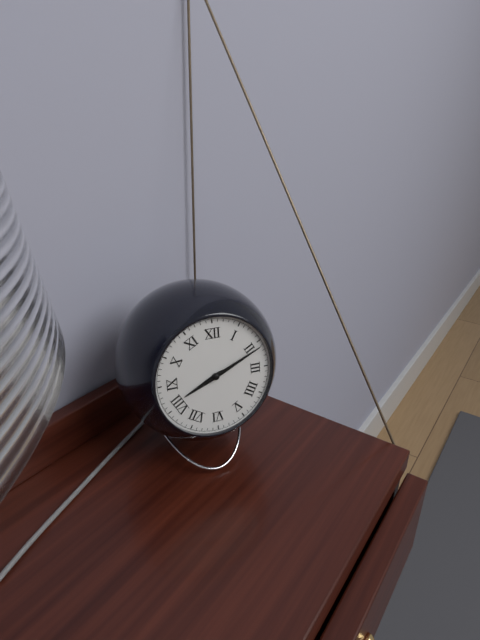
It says 8:11
